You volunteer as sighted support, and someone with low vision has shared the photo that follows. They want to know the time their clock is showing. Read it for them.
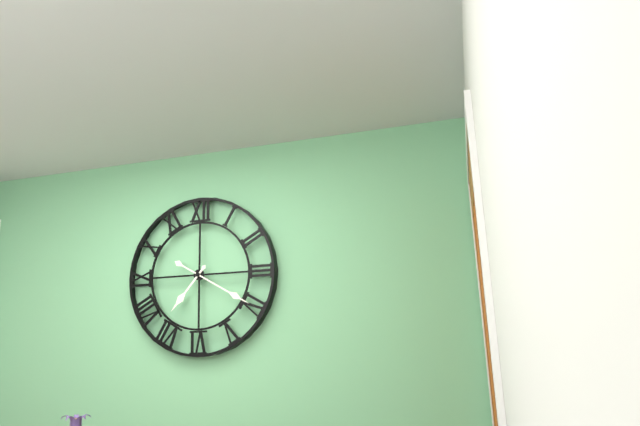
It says 7:20
